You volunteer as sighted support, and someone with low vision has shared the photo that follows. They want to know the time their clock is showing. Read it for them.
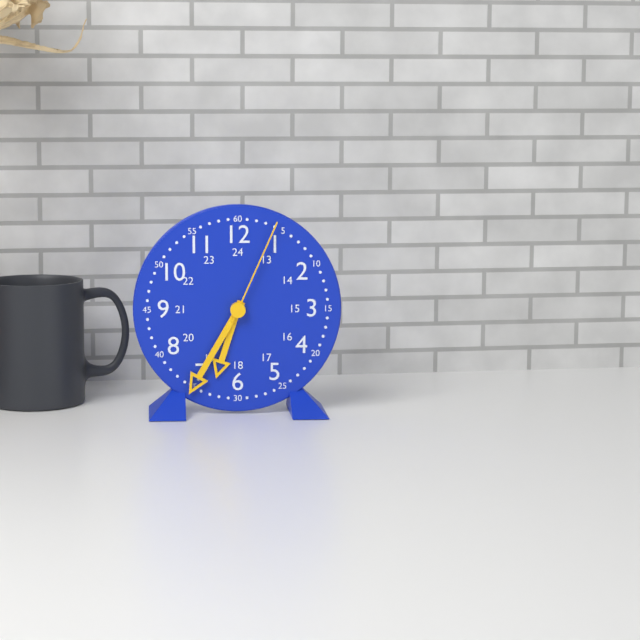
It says 6:35:04
